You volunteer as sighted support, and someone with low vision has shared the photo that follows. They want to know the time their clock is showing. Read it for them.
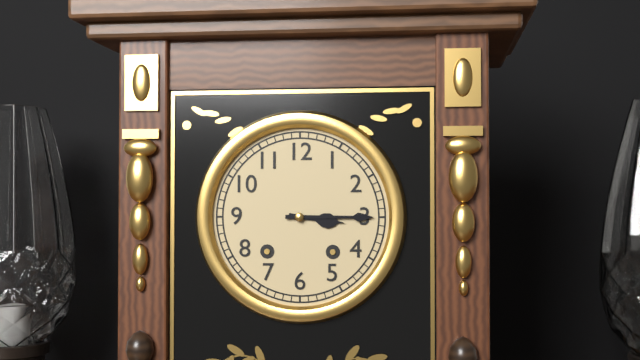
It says 3:15
